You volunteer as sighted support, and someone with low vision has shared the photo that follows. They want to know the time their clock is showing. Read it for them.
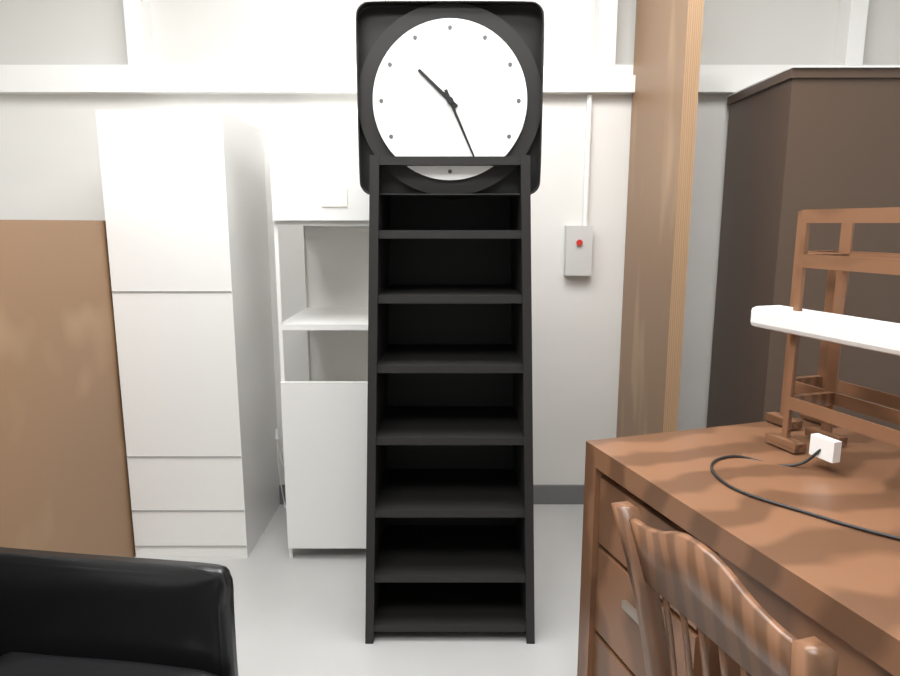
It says 10:26
